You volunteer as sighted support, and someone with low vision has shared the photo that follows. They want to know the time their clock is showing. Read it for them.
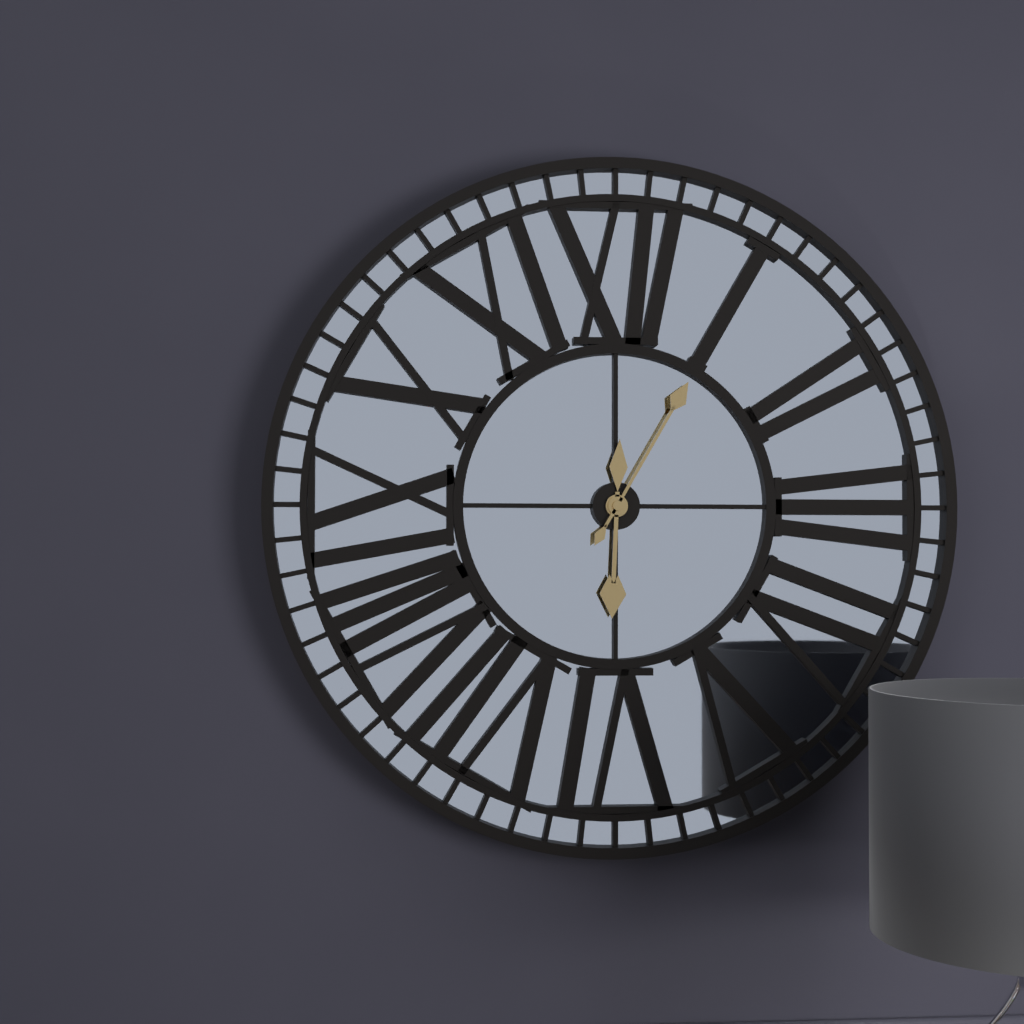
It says 6:05
